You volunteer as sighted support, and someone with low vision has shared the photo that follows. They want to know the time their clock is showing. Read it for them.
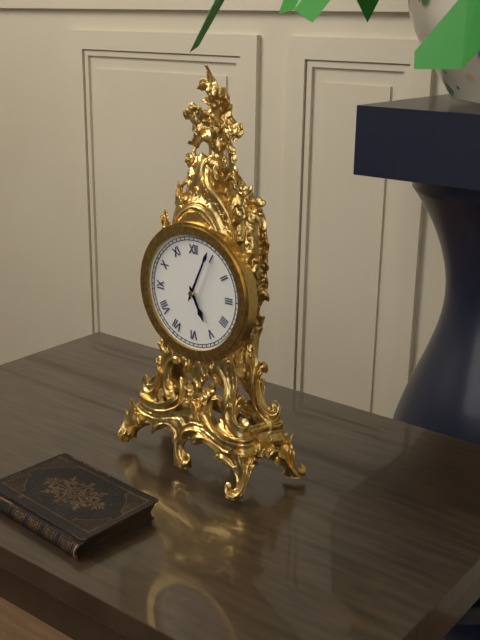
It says 5:04
